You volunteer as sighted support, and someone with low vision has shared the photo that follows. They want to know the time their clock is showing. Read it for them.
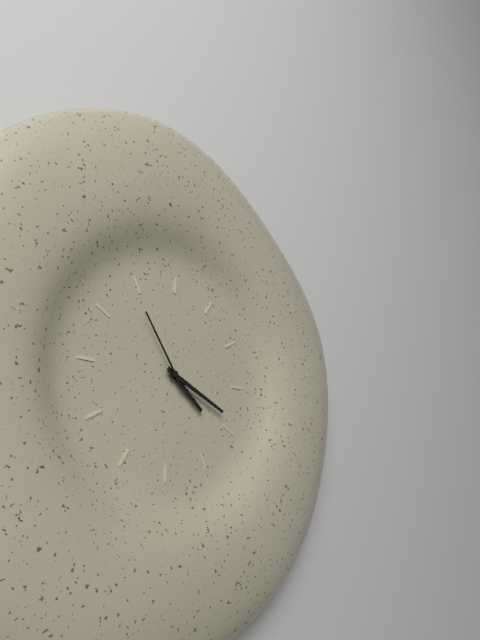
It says 4:19:54
